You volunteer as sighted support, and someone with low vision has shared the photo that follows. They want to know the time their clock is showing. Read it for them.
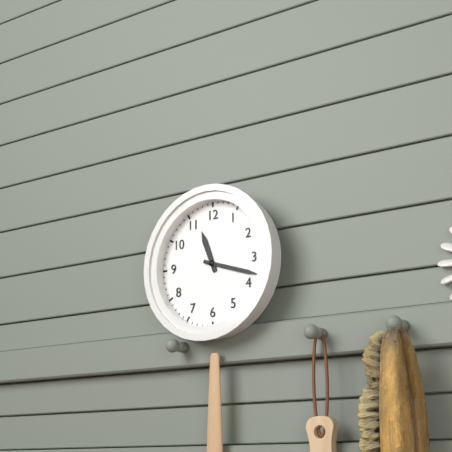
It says 11:18
